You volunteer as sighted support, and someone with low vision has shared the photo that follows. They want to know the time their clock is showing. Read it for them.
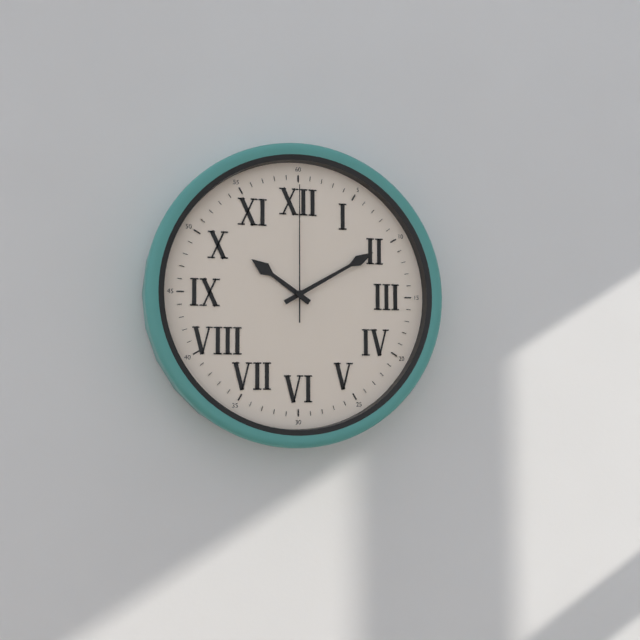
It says 10:10:00
